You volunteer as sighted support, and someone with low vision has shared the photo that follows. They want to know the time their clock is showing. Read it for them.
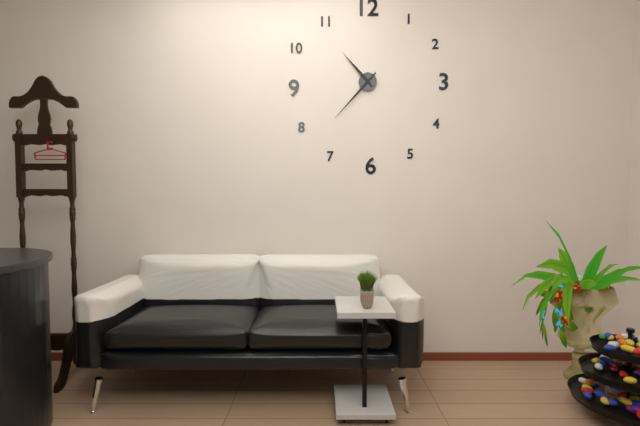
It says 10:37
